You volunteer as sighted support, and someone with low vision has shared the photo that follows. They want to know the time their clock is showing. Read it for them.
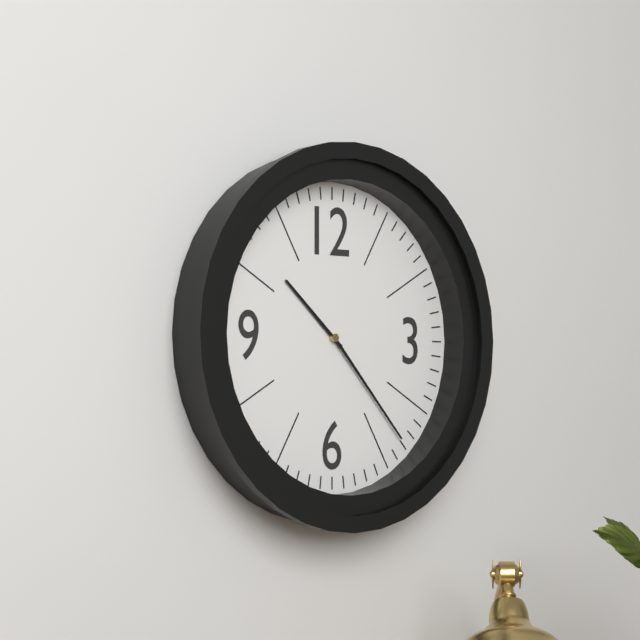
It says 10:23
